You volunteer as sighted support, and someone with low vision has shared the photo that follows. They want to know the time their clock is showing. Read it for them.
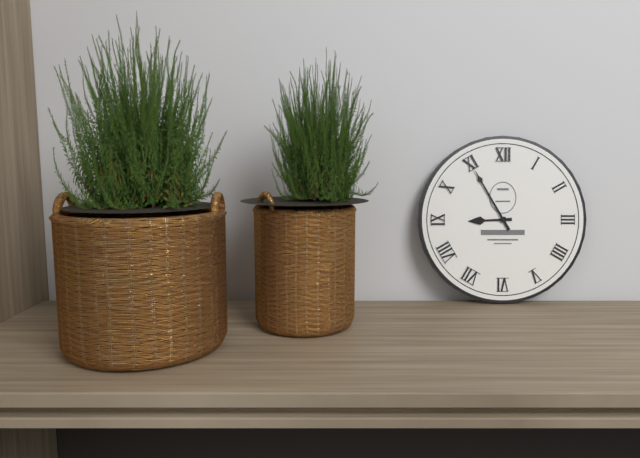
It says 8:55
